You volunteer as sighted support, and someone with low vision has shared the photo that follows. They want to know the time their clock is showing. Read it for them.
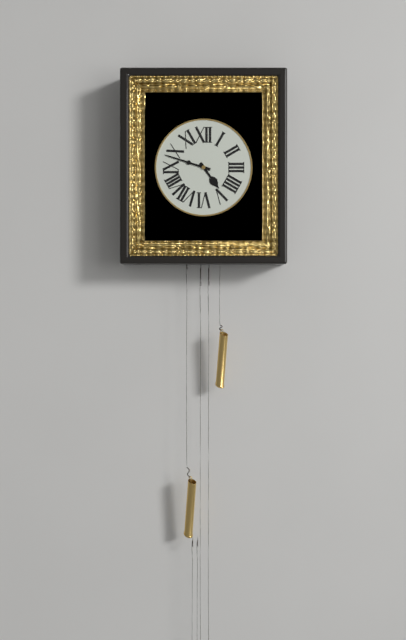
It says 4:48
